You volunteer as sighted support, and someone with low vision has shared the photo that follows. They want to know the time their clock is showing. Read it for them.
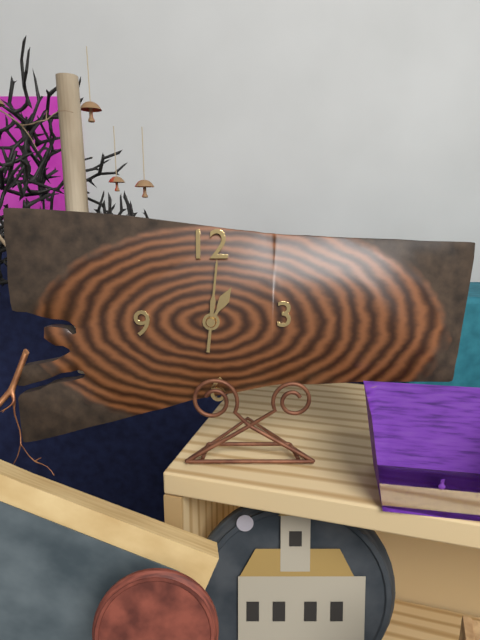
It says 1:01
